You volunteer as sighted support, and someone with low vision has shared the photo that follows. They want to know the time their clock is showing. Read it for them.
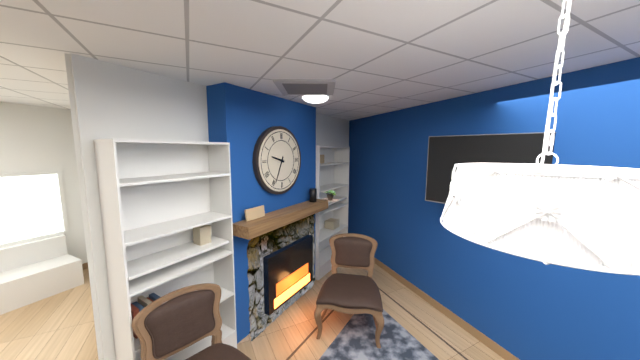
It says 9:34
